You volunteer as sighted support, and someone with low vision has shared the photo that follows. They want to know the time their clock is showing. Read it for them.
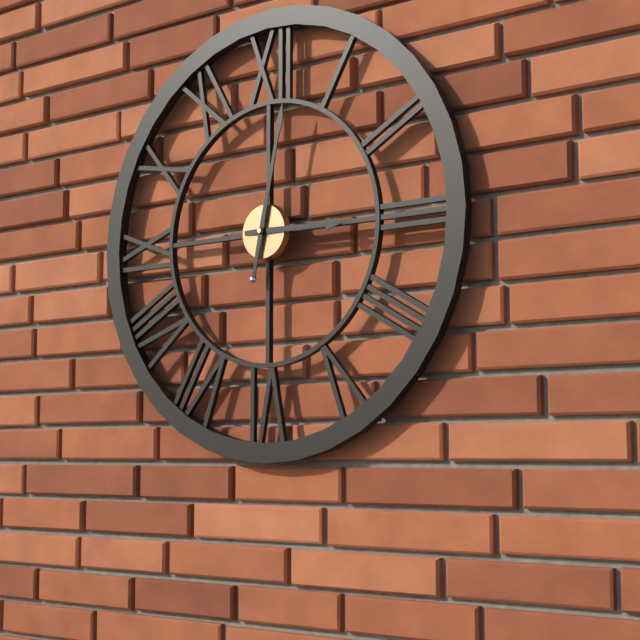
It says 3:02
